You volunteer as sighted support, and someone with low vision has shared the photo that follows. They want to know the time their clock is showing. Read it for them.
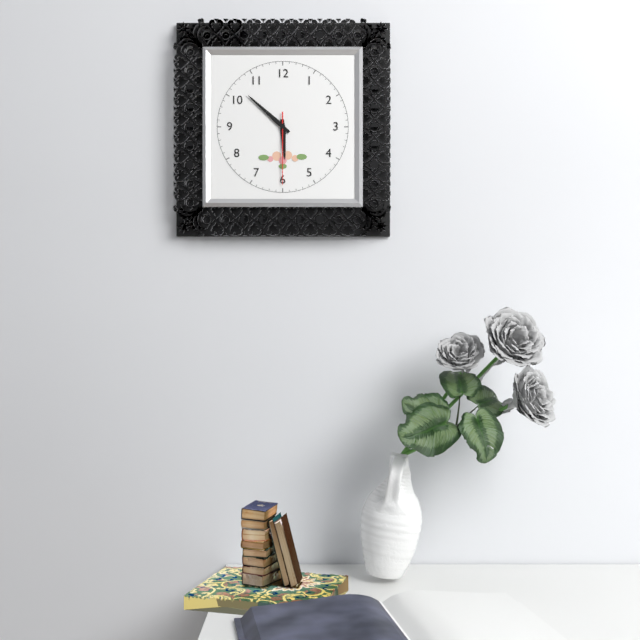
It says 5:52:30
